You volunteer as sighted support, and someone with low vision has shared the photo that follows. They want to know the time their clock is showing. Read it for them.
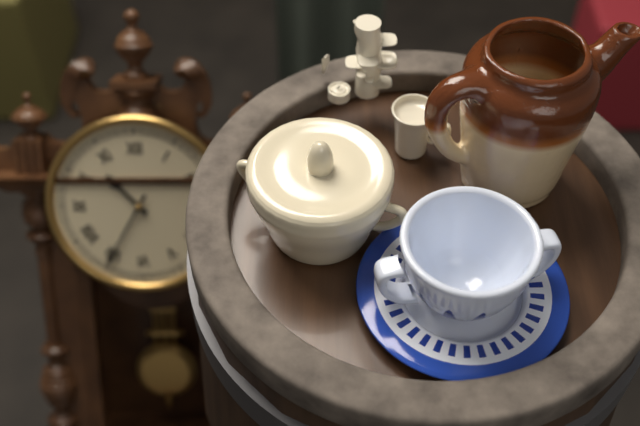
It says 10:35
